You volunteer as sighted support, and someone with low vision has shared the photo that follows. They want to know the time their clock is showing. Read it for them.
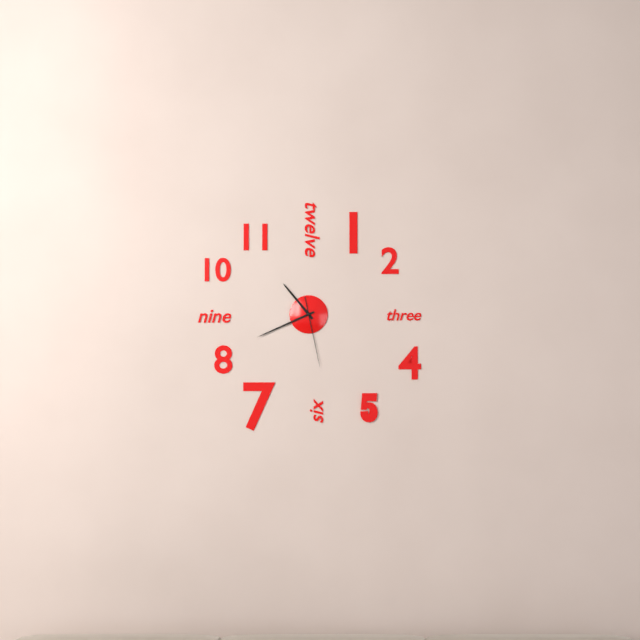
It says 10:41:28
